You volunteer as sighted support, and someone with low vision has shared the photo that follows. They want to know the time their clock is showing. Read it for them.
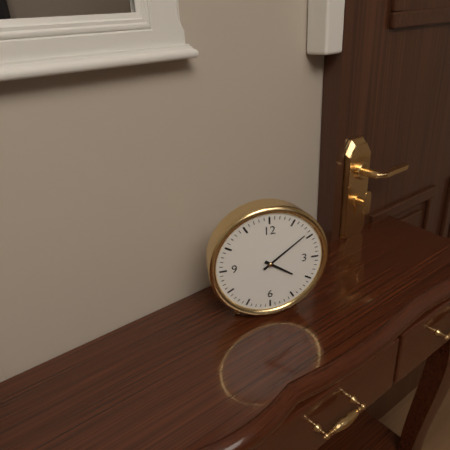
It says 4:09
